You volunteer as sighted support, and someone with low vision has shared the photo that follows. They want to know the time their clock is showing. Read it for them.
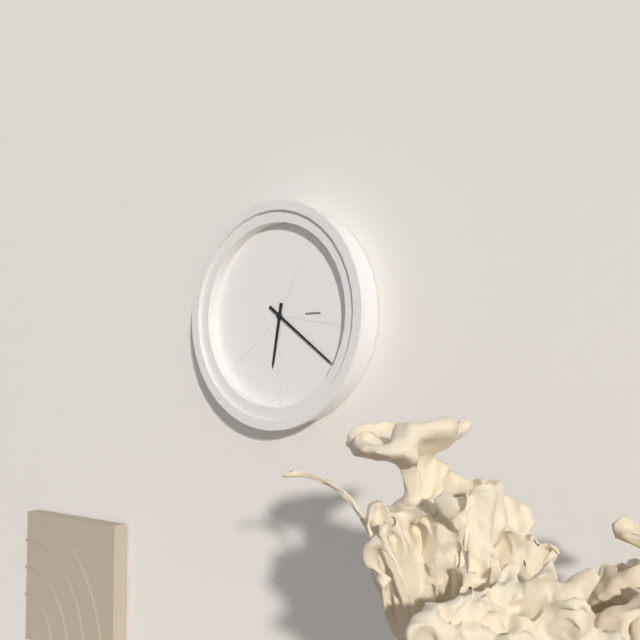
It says 6:21
